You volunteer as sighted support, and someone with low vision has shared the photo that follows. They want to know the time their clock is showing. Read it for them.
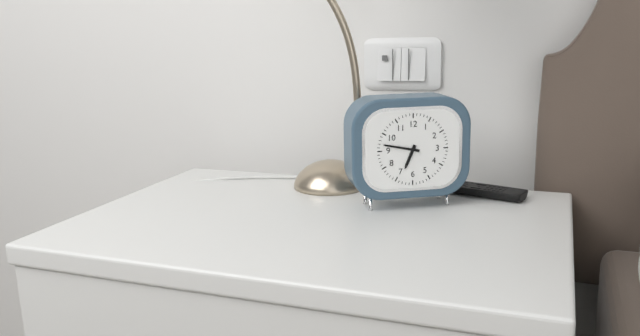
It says 6:47
